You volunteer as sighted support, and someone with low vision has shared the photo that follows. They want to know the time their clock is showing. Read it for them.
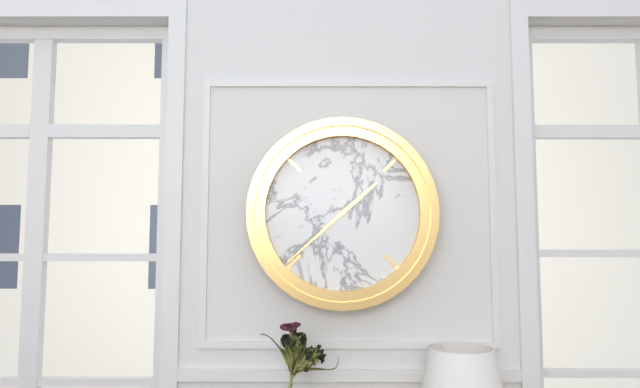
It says 1:38
